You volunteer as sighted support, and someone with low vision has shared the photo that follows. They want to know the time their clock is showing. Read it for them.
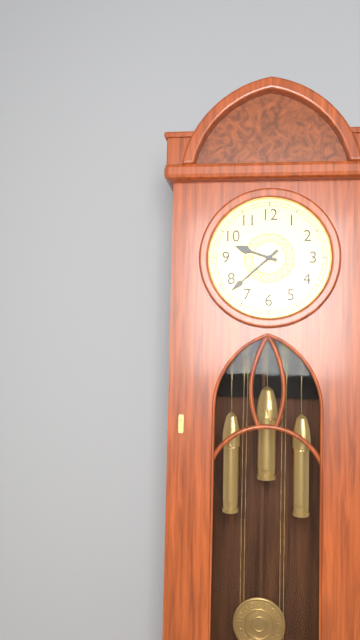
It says 9:38
